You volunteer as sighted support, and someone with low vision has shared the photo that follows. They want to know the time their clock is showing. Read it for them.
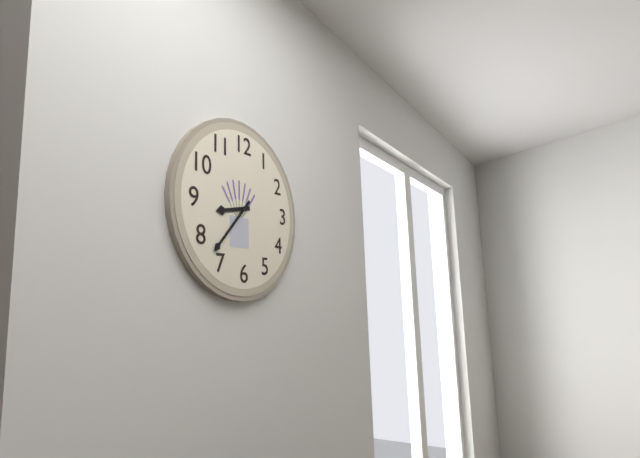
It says 8:37
